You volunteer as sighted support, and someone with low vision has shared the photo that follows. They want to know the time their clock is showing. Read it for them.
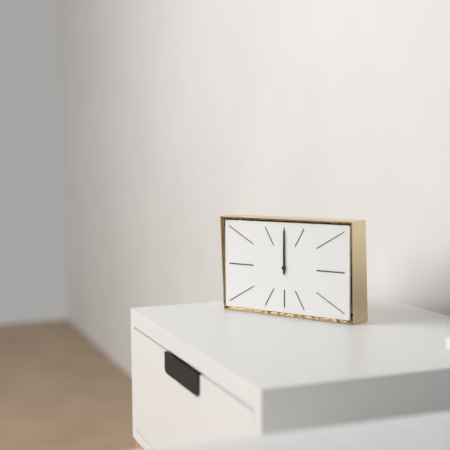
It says 12:00
